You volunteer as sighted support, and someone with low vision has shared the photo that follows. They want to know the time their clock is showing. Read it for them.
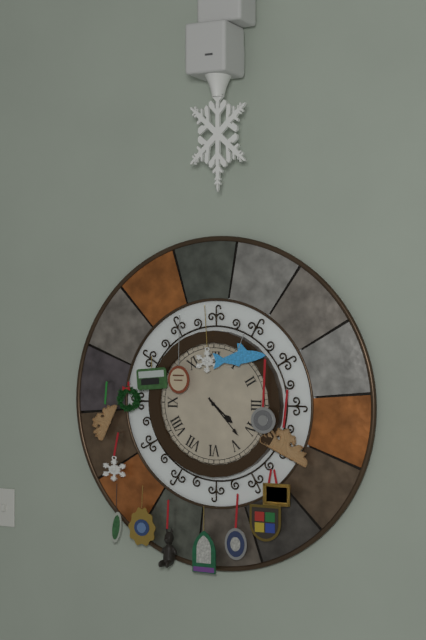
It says 4:23
